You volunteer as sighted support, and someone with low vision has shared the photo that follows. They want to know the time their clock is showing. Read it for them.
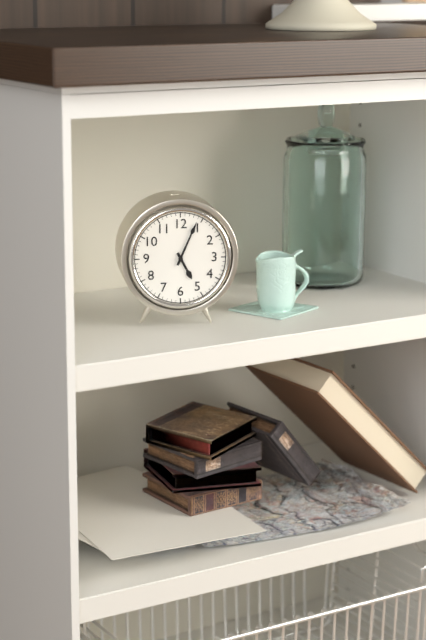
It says 5:04
